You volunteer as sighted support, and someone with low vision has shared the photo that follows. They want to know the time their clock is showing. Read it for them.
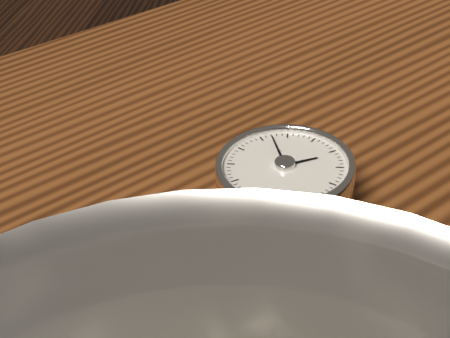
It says 5:12
